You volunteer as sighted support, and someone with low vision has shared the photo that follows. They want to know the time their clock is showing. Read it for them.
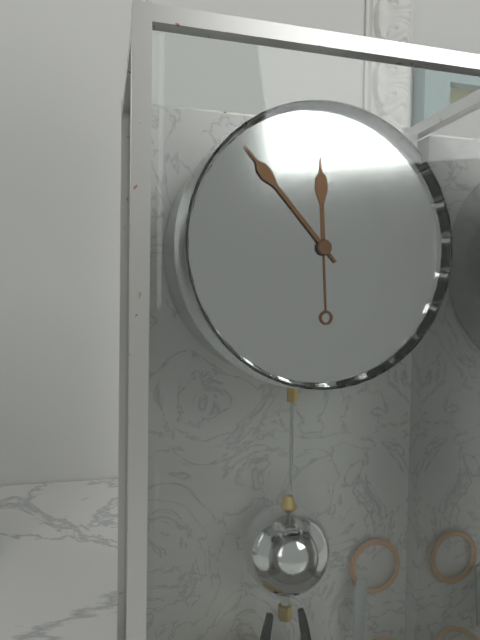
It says 11:53
